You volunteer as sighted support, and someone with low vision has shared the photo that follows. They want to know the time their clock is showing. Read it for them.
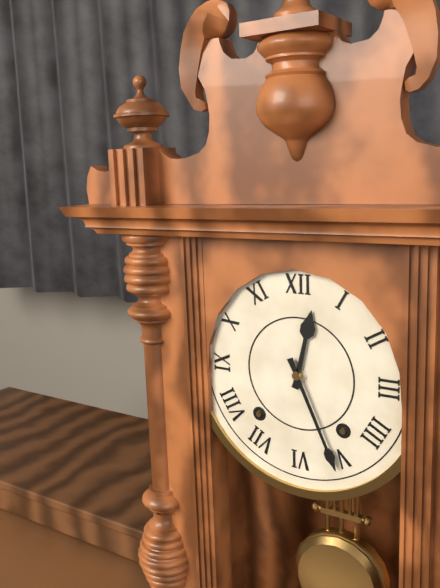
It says 12:26
